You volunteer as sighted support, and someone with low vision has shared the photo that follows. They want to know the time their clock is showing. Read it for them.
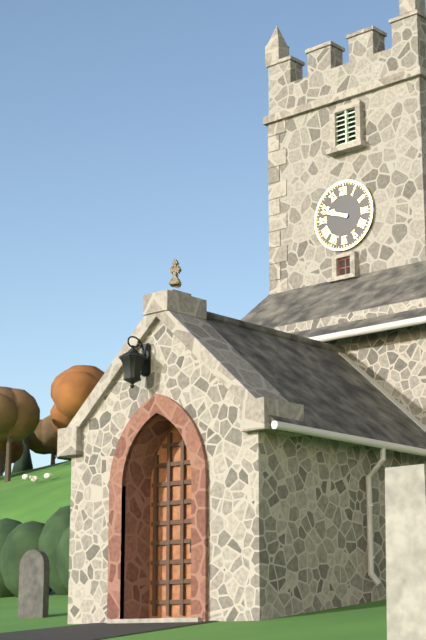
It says 9:48
